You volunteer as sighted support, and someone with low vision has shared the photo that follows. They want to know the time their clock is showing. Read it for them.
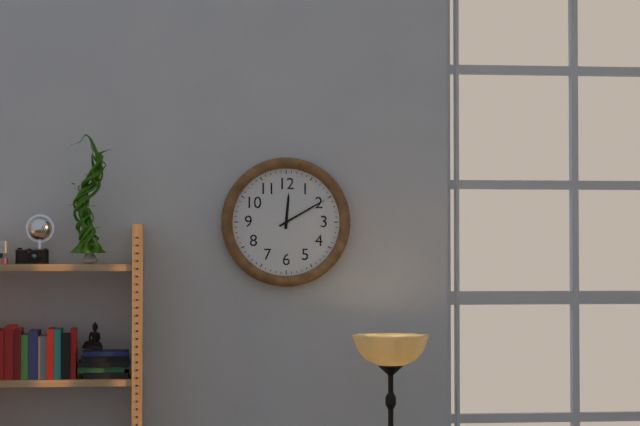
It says 12:10
